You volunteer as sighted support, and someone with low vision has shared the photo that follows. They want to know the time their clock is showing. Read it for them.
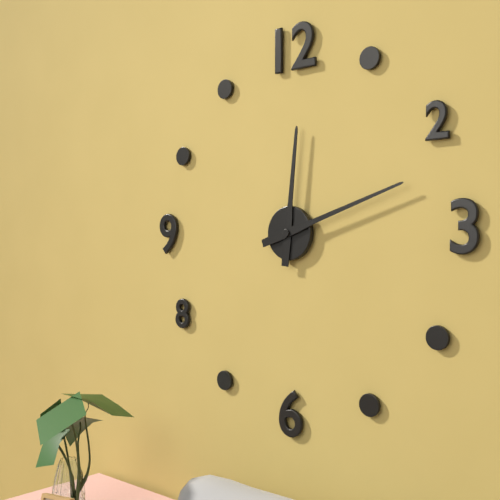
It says 12:12
